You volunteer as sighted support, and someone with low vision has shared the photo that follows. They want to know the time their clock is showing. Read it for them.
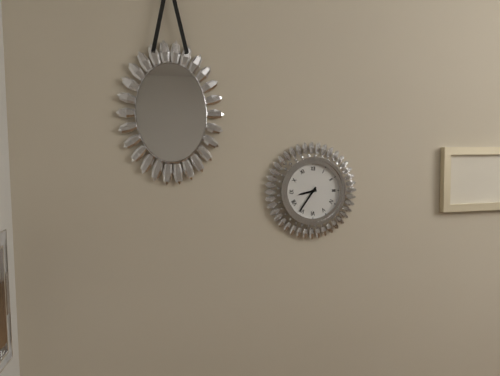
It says 8:36
